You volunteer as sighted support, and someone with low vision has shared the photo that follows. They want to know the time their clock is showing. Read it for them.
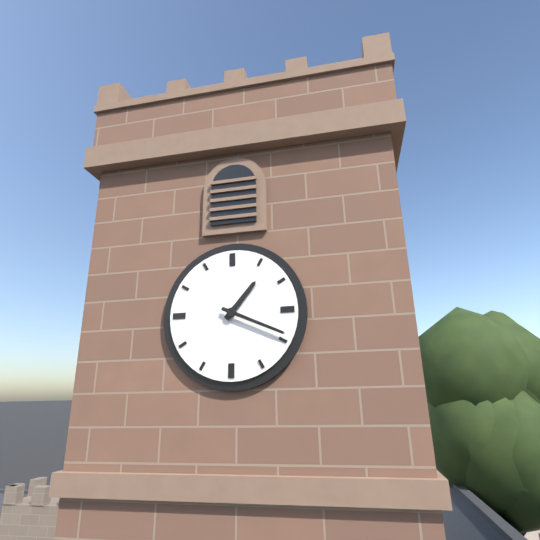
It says 1:19
